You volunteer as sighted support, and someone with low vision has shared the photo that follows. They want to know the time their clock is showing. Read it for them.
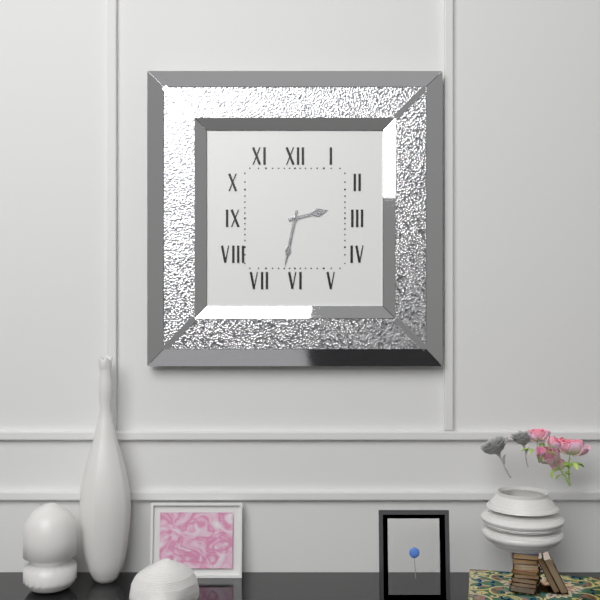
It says 2:32
